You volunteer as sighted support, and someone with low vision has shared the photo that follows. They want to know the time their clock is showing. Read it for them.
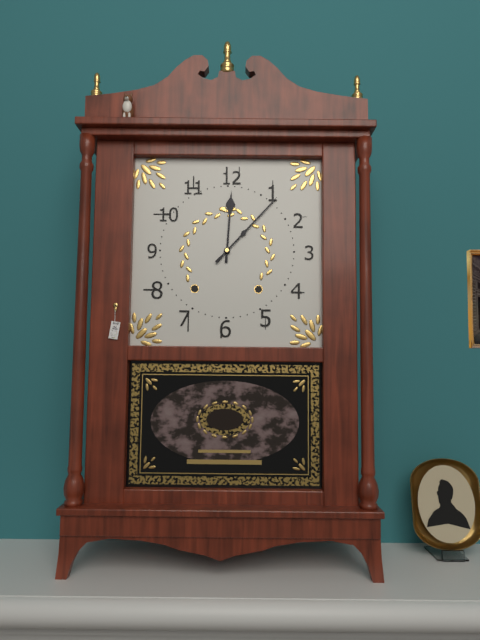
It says 12:07
